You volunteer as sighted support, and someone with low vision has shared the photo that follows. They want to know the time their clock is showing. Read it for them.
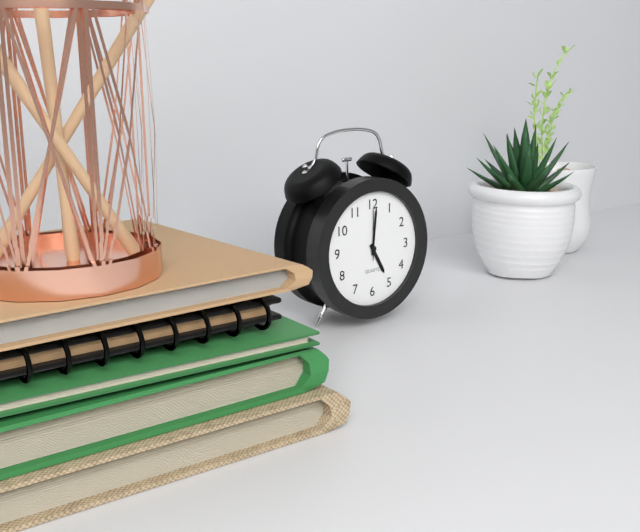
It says 5:01:00
